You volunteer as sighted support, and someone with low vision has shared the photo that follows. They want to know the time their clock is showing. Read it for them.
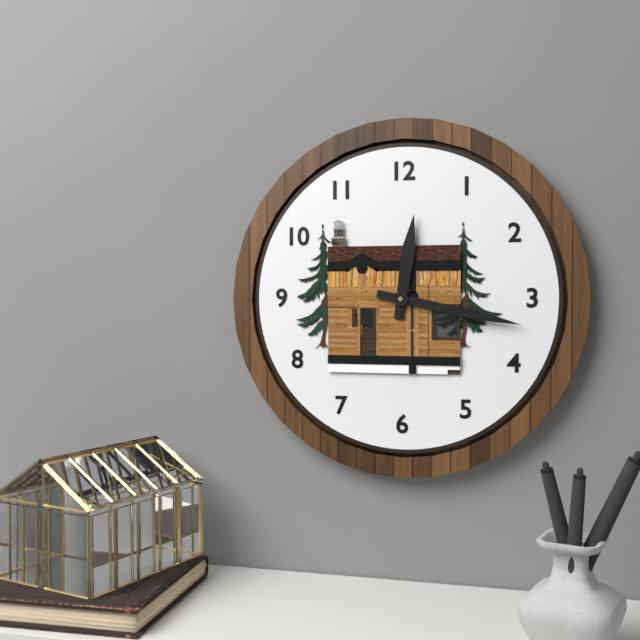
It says 12:17
